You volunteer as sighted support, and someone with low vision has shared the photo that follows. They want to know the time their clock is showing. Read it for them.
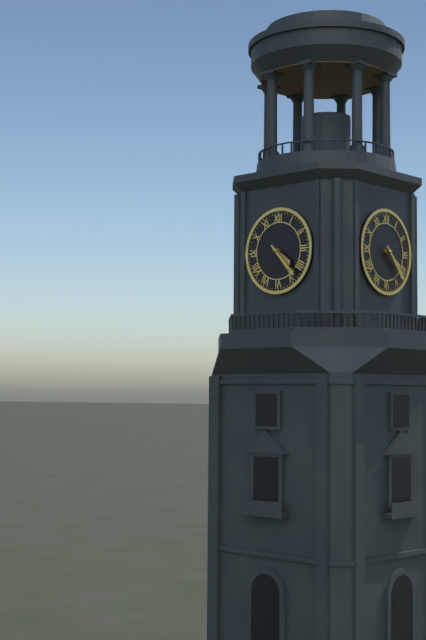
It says 4:23
